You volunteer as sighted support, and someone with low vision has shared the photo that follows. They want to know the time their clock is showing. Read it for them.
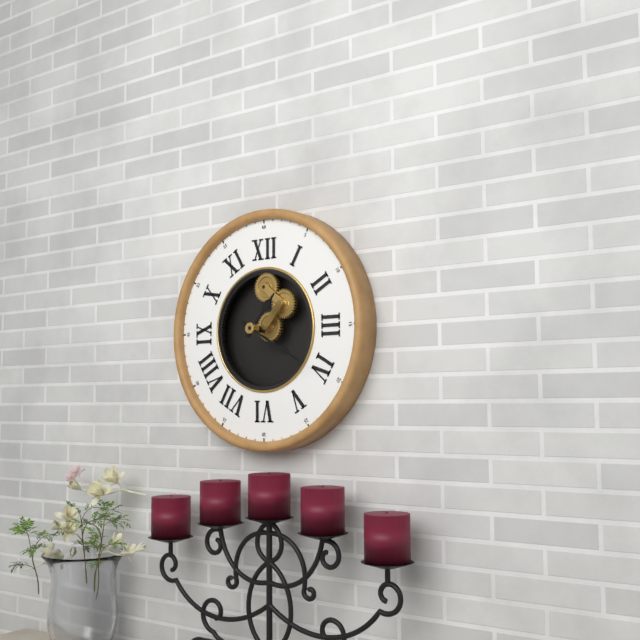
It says 1:20
